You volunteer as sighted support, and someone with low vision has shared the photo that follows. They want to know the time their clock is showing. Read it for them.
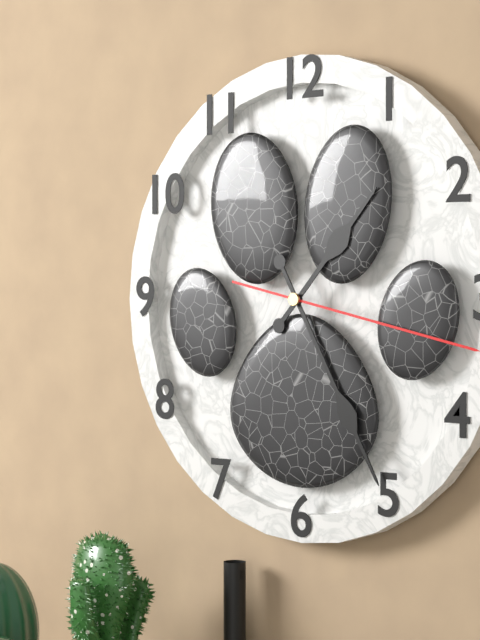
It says 1:25
